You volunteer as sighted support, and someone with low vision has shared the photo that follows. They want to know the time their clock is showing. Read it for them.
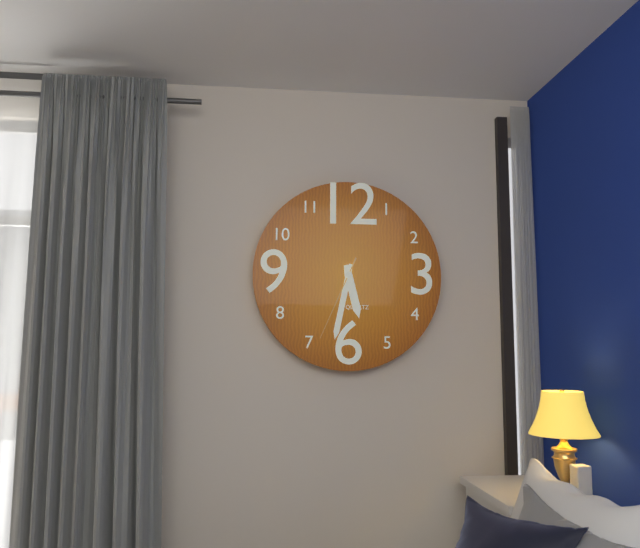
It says 5:32:34
